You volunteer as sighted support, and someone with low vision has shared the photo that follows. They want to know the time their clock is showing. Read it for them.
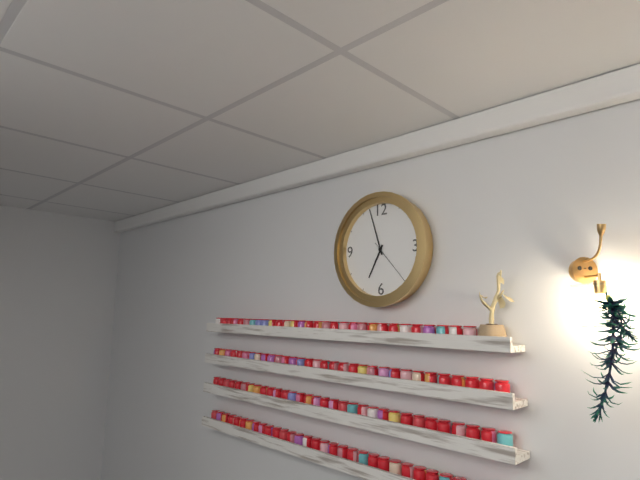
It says 6:57:23
